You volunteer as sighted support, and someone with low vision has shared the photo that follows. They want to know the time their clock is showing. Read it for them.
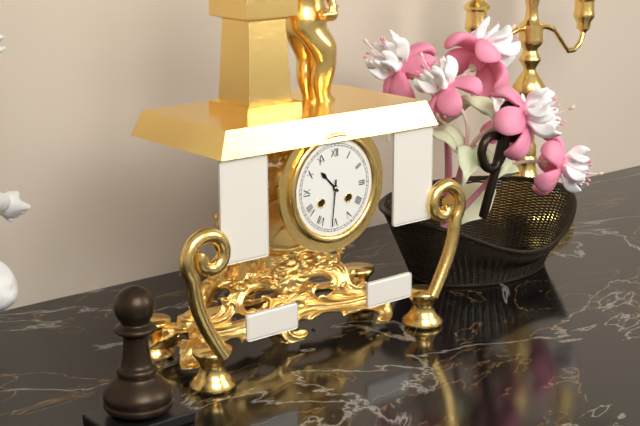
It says 10:31
